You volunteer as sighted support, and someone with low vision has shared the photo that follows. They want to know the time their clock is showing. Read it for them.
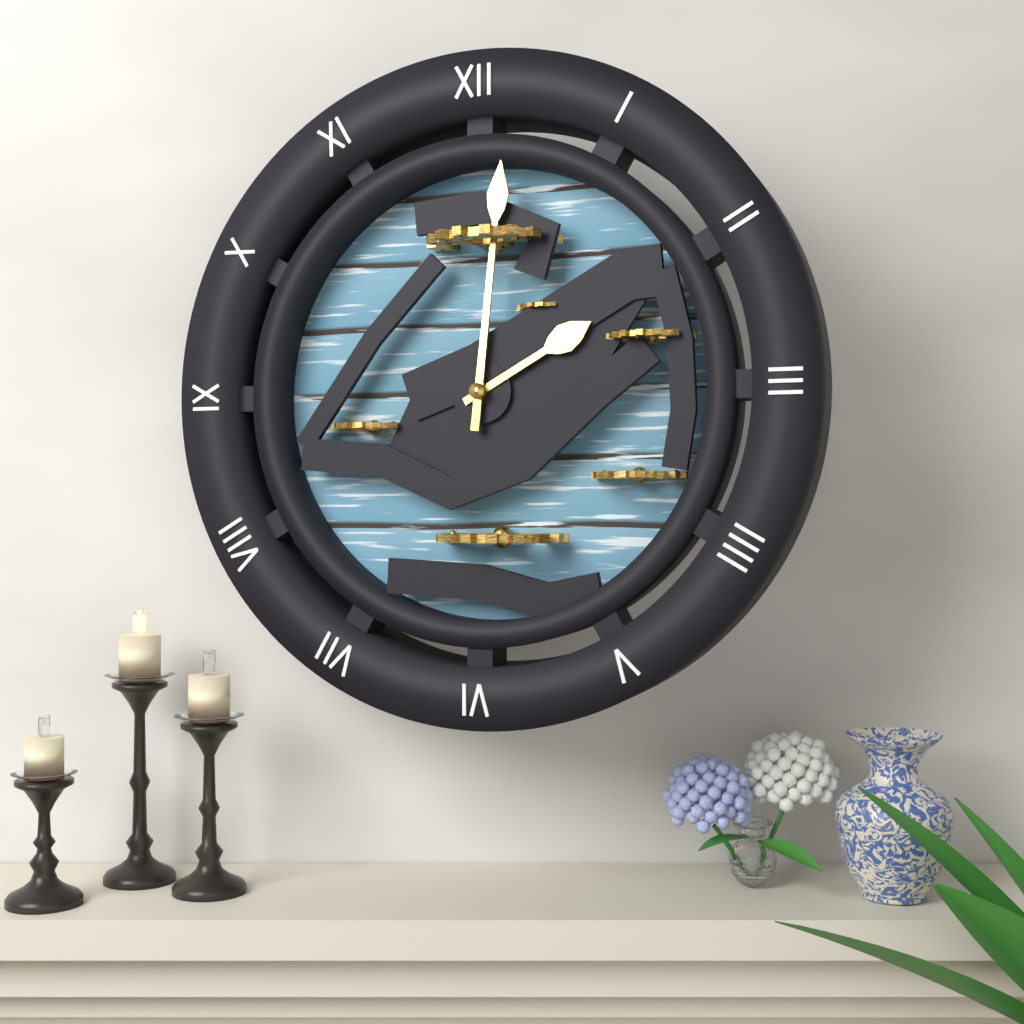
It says 2:01
